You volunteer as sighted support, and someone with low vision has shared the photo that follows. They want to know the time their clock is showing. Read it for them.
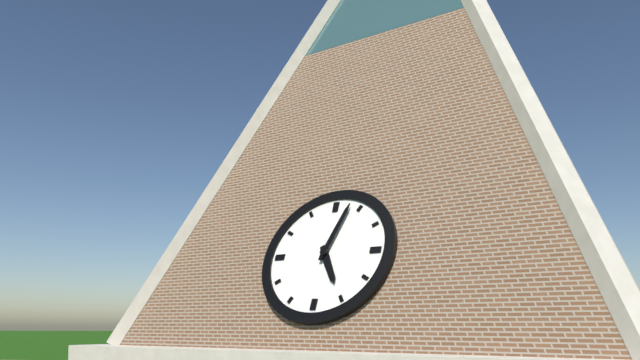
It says 5:03
